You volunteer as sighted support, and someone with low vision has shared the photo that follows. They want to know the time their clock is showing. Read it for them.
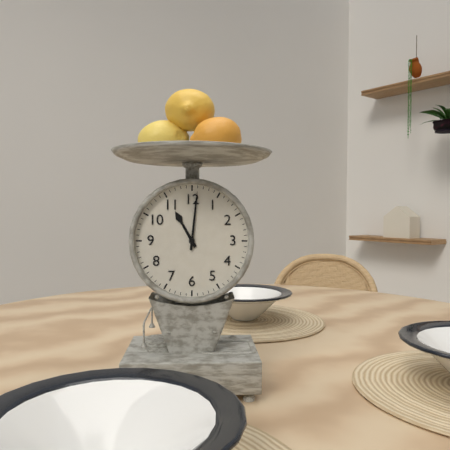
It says 11:01
